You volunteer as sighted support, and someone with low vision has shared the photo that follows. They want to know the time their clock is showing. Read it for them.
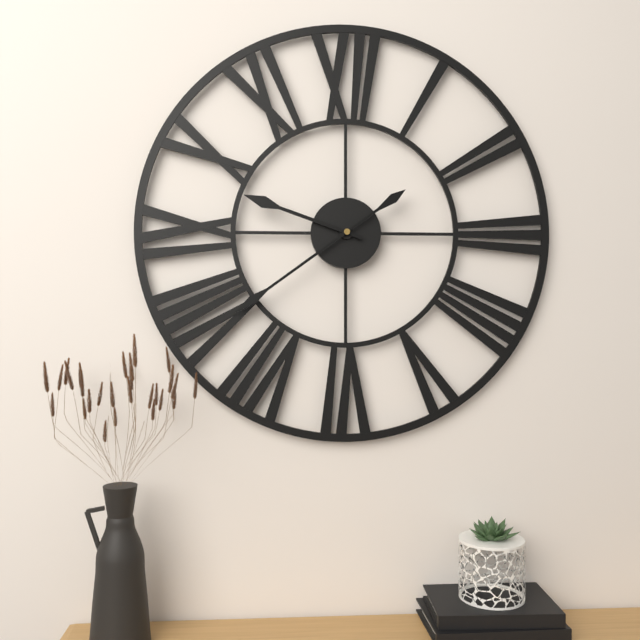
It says 9:39
